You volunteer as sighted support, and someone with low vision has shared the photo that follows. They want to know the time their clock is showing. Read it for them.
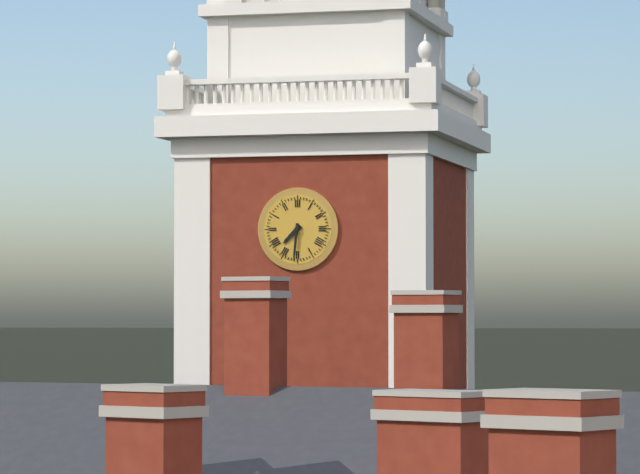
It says 7:31
